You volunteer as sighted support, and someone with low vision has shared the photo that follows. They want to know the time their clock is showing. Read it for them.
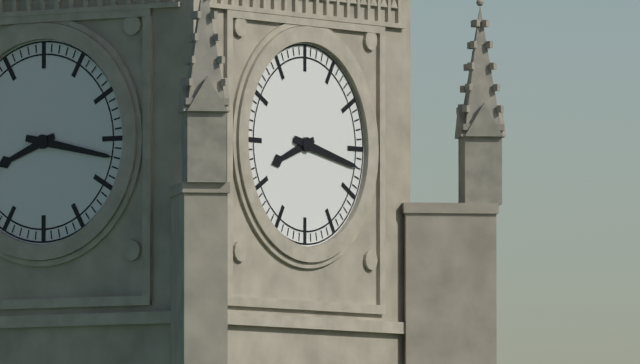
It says 8:17
